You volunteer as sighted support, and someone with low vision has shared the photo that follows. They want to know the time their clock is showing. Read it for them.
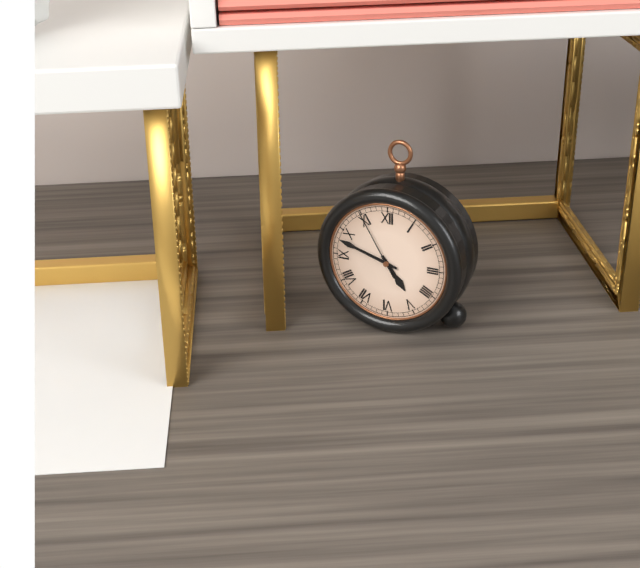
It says 4:48:55
